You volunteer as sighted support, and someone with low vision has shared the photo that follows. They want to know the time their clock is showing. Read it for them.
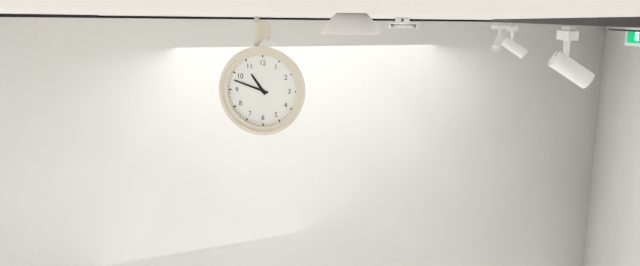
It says 10:48
